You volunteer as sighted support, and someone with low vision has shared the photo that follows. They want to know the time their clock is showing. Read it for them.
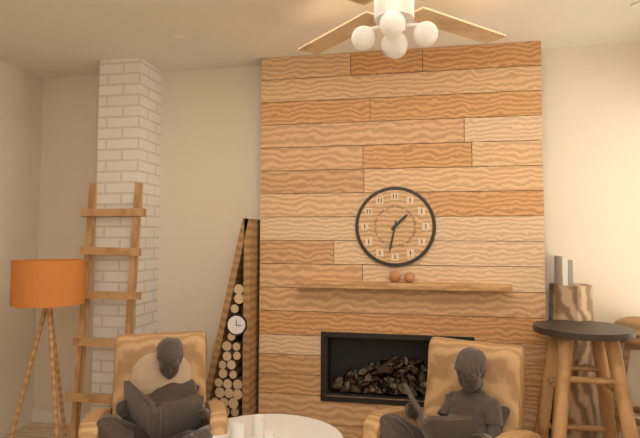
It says 1:32
